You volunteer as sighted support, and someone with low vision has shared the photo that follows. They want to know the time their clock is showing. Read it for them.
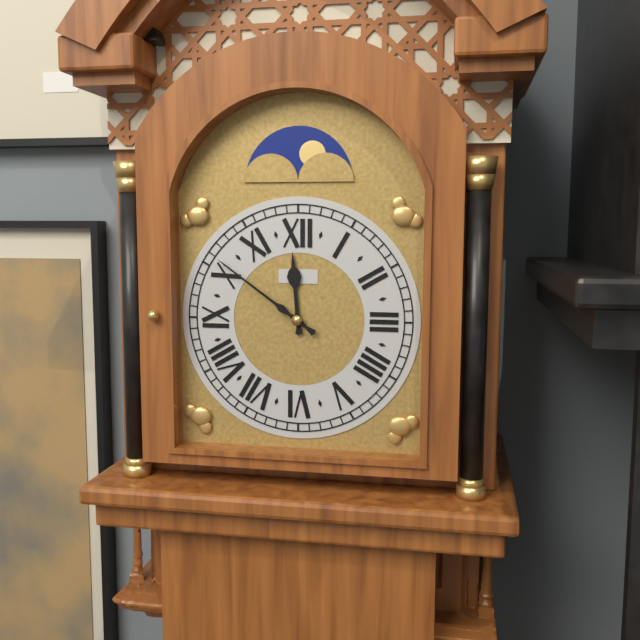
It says 11:51
